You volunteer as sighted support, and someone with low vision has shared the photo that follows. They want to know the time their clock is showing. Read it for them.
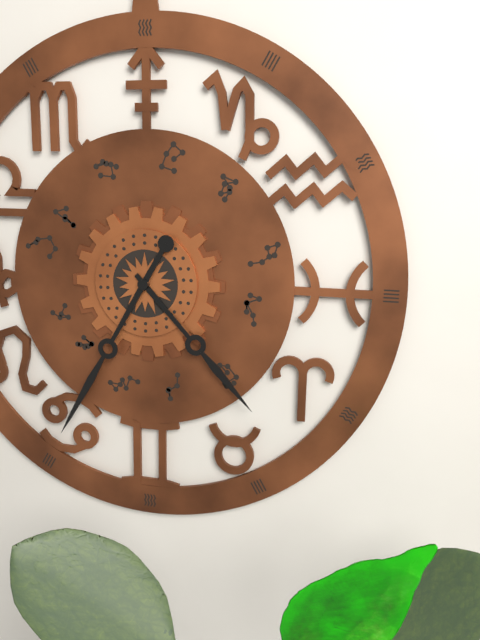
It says 4:35
